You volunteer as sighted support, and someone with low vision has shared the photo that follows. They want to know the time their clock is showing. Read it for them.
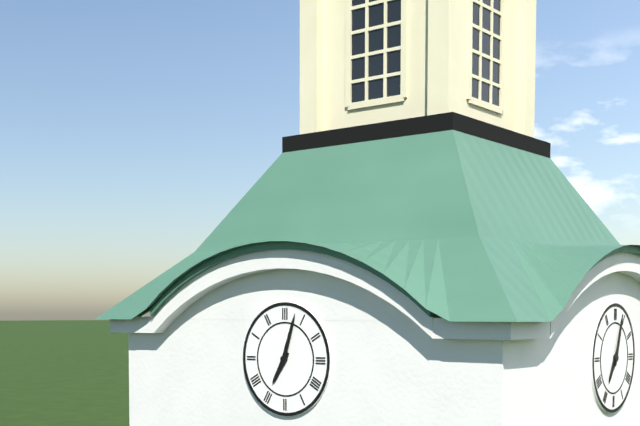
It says 7:03
